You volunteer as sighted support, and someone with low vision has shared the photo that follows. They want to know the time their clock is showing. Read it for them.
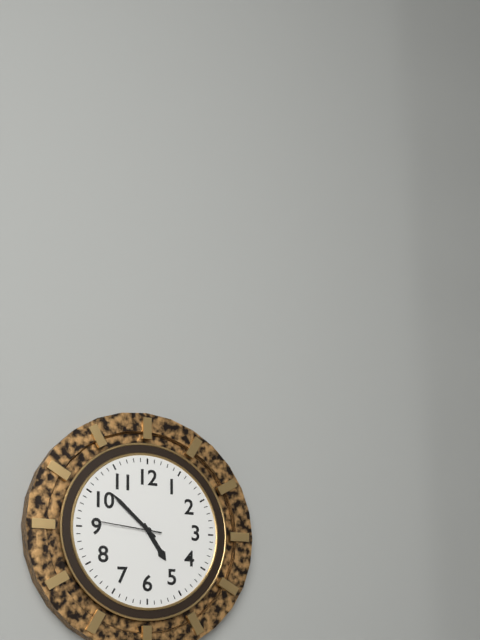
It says 4:52:46
